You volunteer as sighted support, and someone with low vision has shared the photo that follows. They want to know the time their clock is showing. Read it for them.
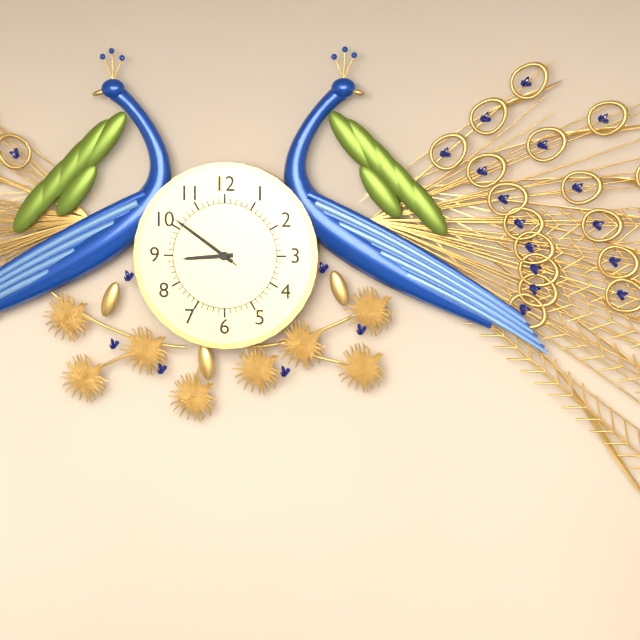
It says 8:51:51
